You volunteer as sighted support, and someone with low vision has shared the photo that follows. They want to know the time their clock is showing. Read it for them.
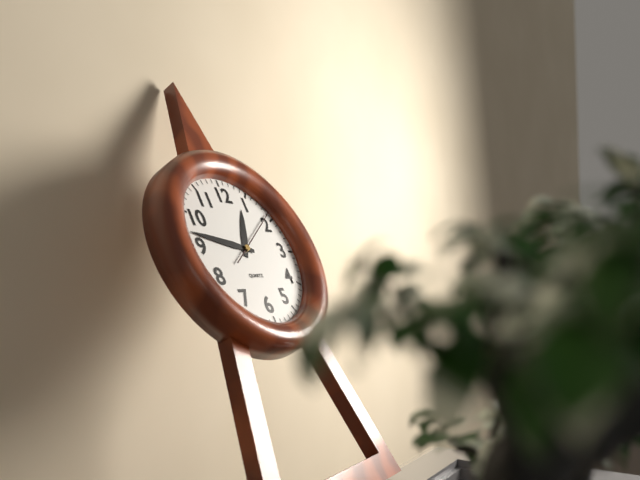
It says 12:47
